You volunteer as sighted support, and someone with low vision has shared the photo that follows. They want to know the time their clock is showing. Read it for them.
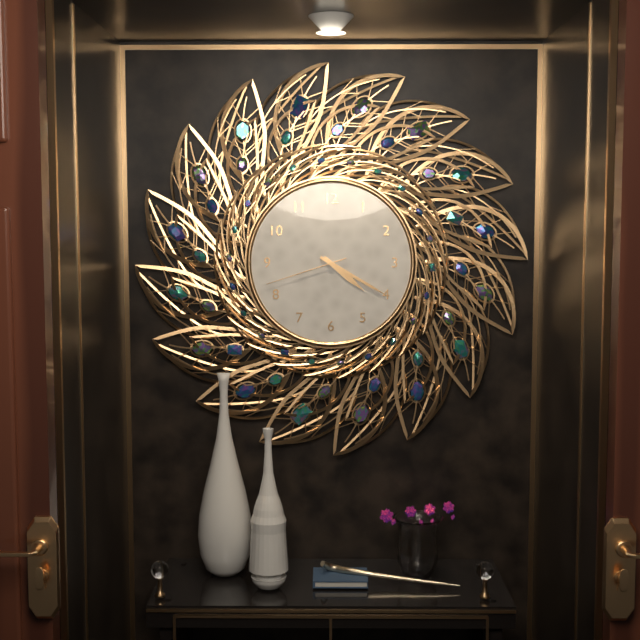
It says 4:20:42
